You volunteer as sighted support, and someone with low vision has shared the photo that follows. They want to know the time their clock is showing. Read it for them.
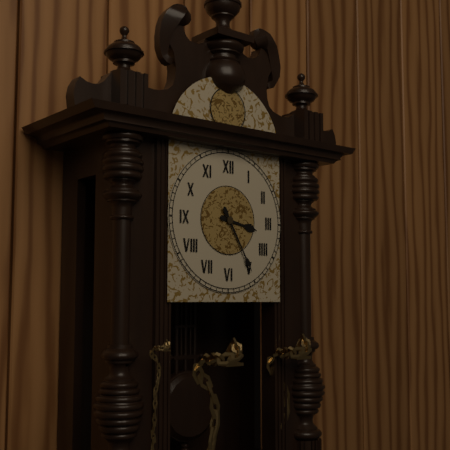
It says 3:25
